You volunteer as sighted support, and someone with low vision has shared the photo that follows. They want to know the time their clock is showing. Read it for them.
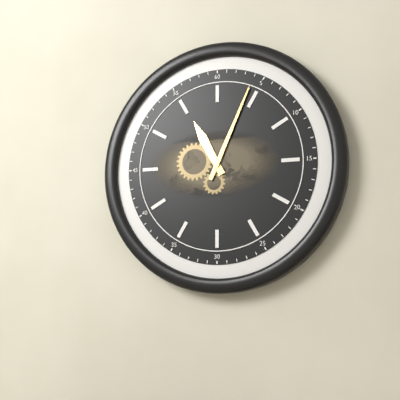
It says 11:04
